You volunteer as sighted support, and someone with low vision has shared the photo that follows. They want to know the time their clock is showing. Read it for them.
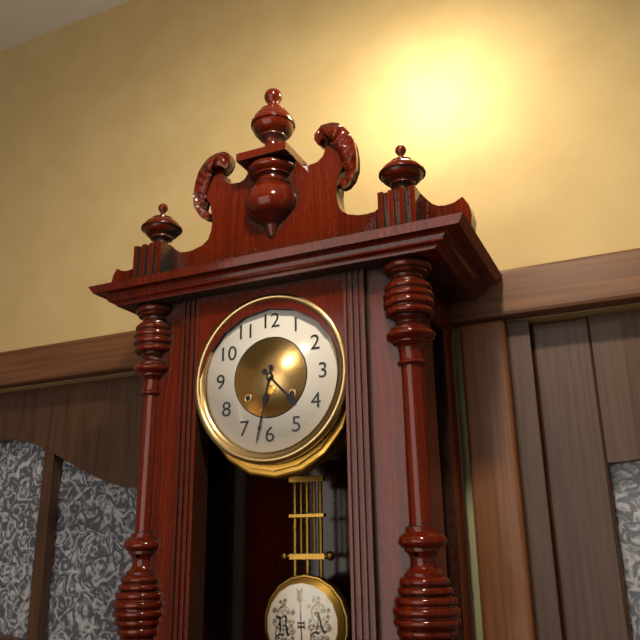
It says 4:32
